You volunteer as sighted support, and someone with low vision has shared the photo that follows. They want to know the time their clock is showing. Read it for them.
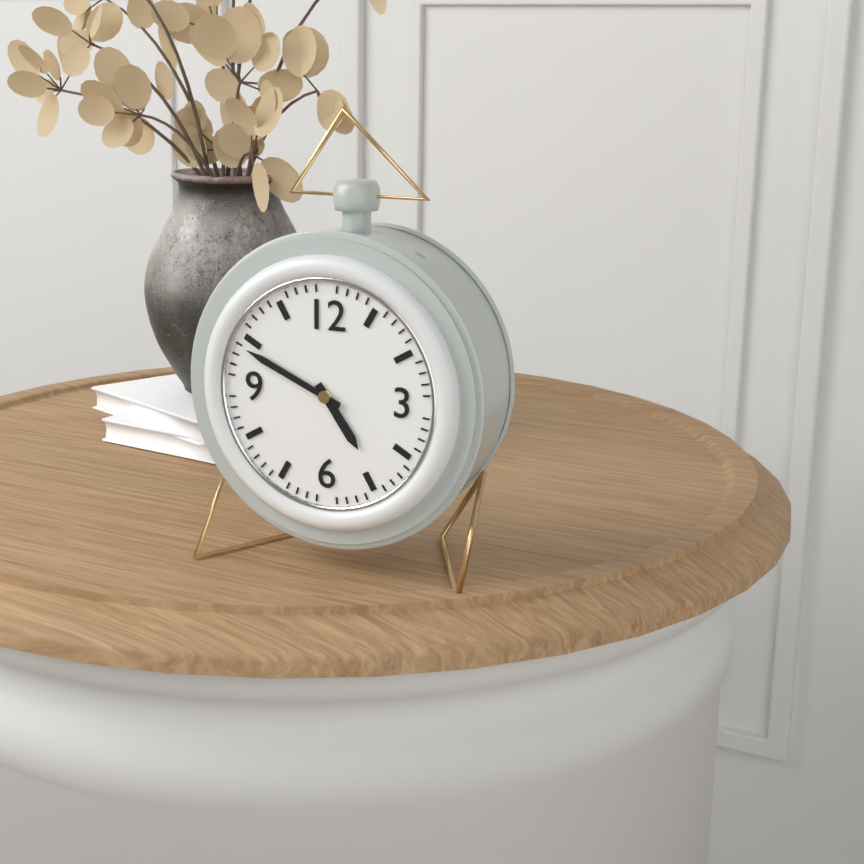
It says 4:49
